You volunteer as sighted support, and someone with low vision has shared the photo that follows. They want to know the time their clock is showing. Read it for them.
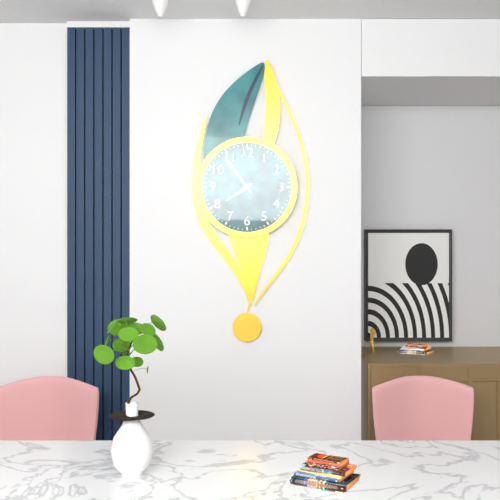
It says 7:54
